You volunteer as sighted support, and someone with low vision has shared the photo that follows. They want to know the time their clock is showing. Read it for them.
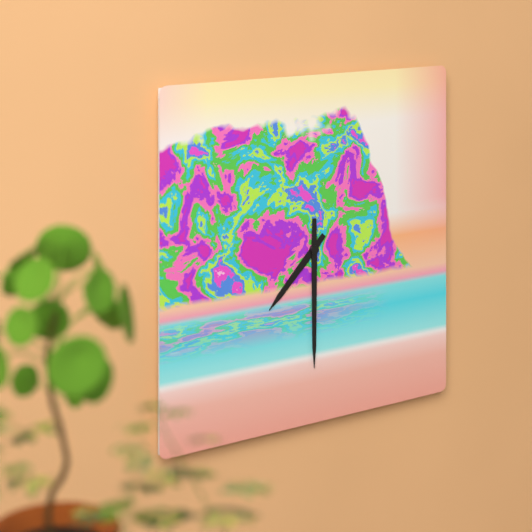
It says 7:30
